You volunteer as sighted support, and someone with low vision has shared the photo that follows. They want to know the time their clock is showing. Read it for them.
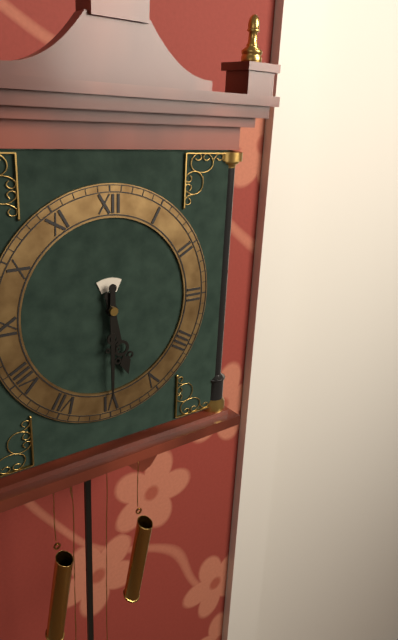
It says 5:30
